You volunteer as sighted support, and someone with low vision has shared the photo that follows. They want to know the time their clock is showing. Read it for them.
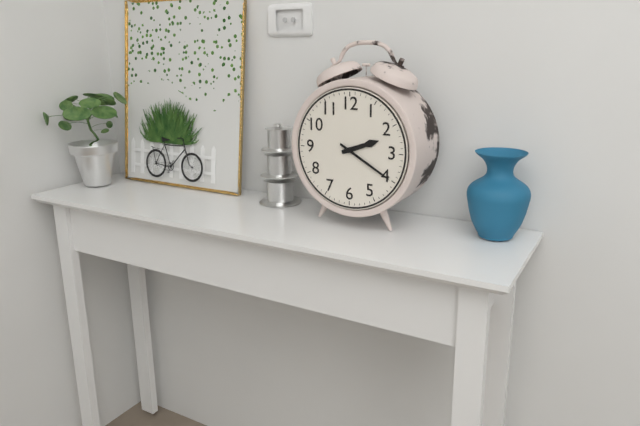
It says 2:20
